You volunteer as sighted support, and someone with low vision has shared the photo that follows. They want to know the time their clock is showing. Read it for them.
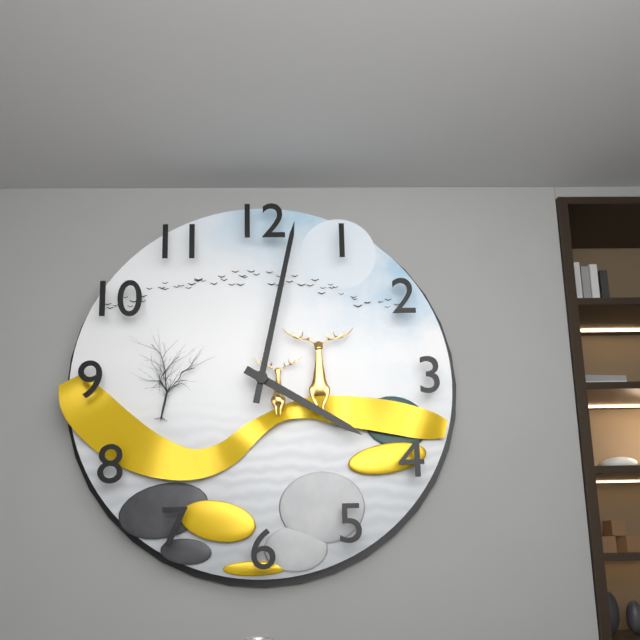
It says 4:02
